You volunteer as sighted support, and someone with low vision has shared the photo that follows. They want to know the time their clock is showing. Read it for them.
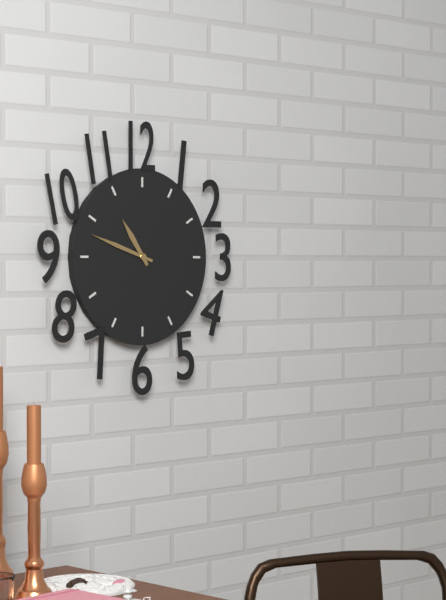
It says 10:48
